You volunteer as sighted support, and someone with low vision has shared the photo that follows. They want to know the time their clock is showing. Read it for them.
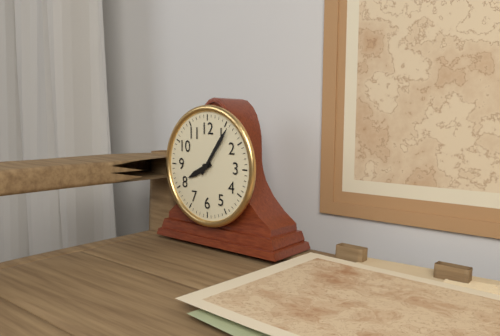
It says 8:06
